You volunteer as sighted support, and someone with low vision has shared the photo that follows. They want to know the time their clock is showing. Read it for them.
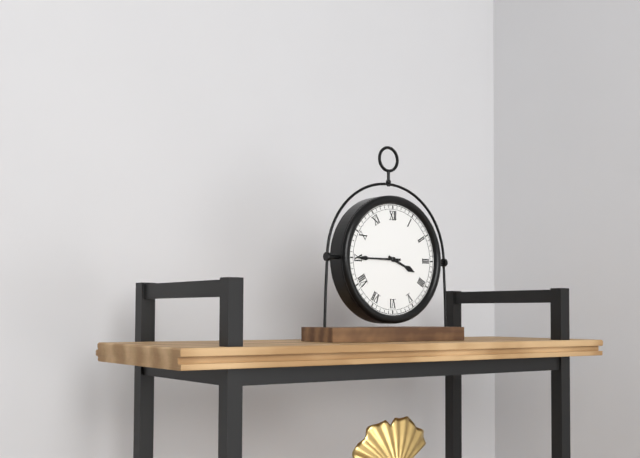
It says 3:45
